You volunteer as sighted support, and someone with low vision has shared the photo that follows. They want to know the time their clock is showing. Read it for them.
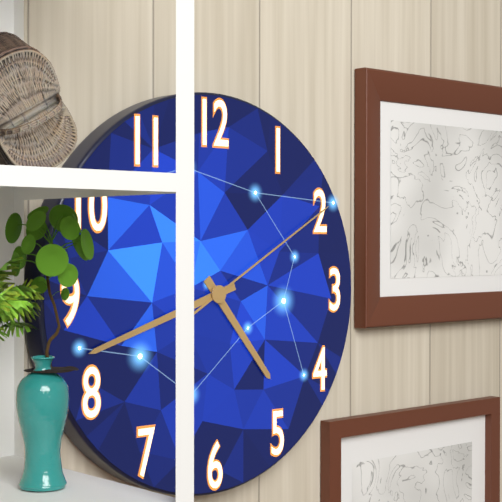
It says 4:42:10
